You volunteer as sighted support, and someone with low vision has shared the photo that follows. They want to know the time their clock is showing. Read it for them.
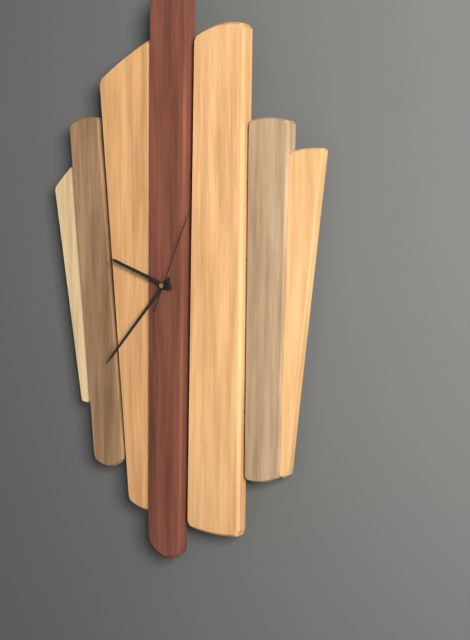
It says 9:37:04
